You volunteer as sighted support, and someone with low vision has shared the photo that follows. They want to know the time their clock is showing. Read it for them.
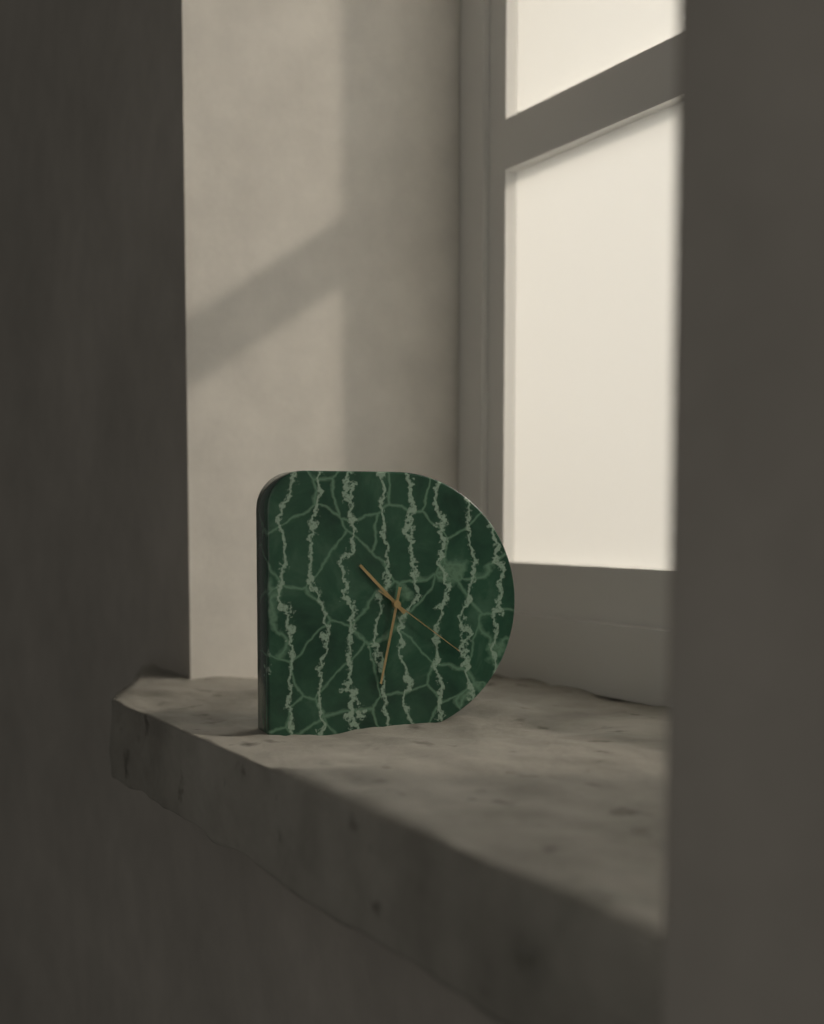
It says 10:32:21
